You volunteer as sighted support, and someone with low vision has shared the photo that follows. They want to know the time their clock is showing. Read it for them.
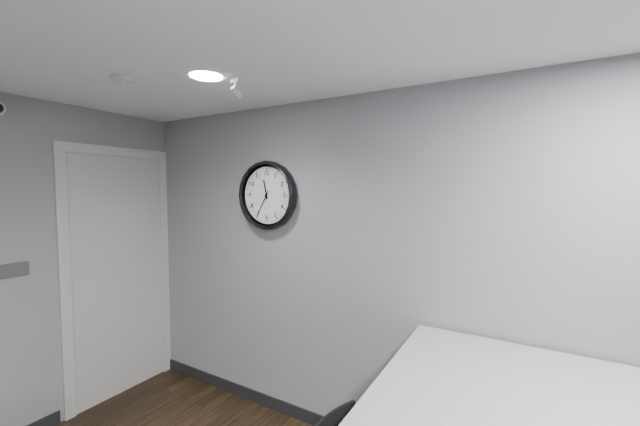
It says 11:35
